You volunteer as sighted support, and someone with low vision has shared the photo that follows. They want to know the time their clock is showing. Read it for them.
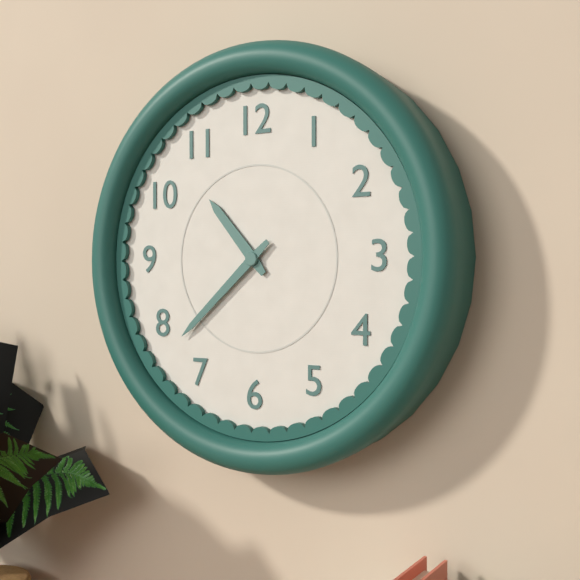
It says 10:38
